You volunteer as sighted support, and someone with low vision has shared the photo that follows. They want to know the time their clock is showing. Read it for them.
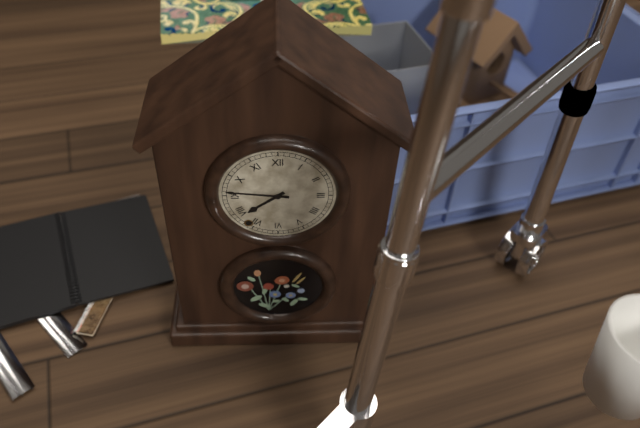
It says 7:46
